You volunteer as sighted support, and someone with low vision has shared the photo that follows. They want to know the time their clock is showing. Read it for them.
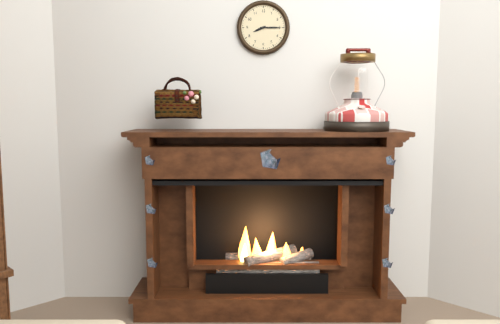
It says 8:15
